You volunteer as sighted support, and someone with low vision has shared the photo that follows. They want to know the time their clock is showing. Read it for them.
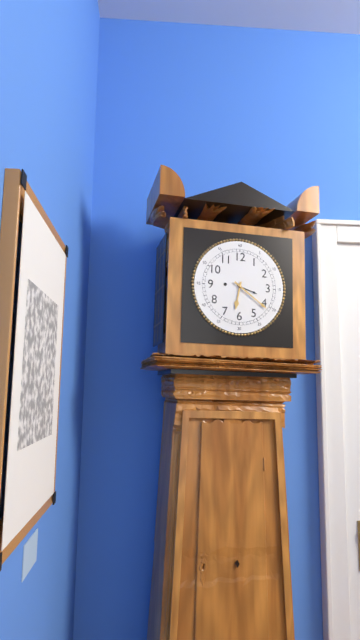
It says 6:21
